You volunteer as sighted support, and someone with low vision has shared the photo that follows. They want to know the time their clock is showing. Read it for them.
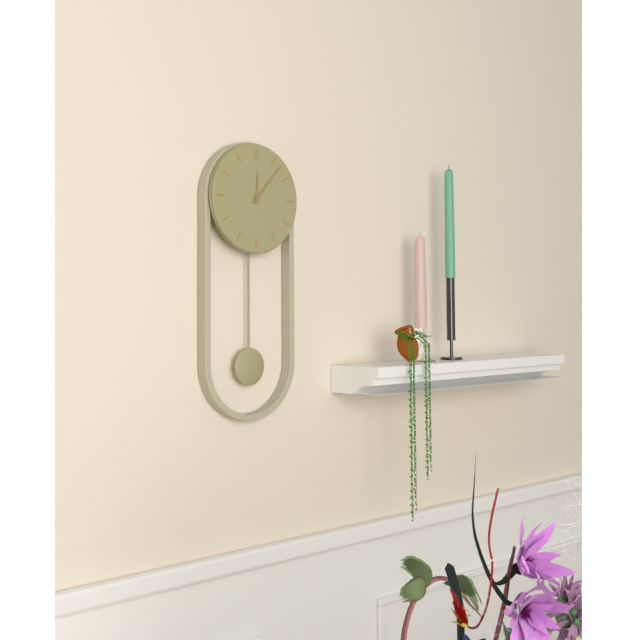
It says 12:07
